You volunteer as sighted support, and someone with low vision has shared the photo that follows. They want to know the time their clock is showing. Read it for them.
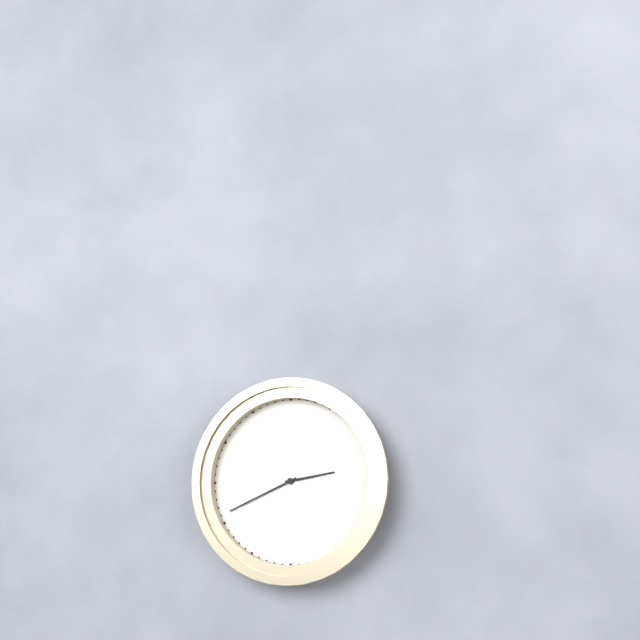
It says 2:41
